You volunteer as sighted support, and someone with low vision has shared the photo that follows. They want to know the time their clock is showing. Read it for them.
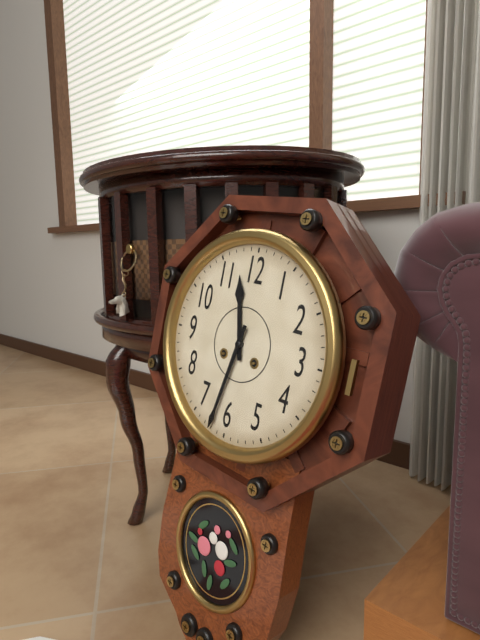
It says 11:32
